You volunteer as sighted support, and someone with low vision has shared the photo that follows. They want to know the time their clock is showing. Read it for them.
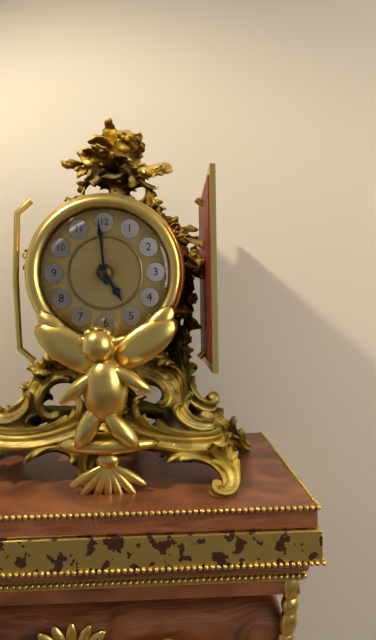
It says 4:59
